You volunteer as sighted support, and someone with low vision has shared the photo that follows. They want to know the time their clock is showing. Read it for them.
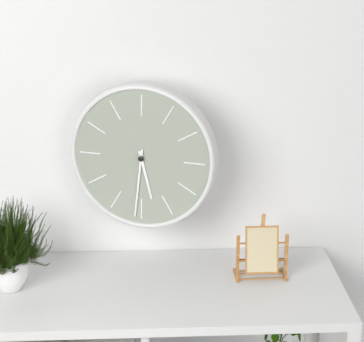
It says 5:31
